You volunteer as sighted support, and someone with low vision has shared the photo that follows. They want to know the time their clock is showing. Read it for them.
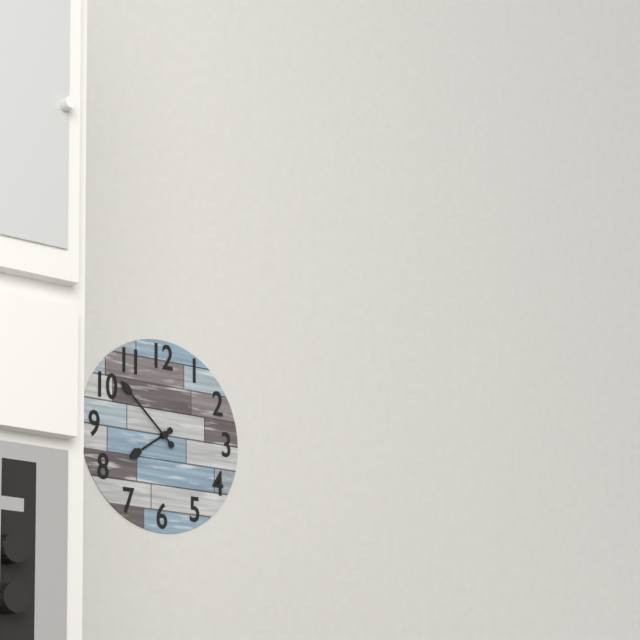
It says 7:52
